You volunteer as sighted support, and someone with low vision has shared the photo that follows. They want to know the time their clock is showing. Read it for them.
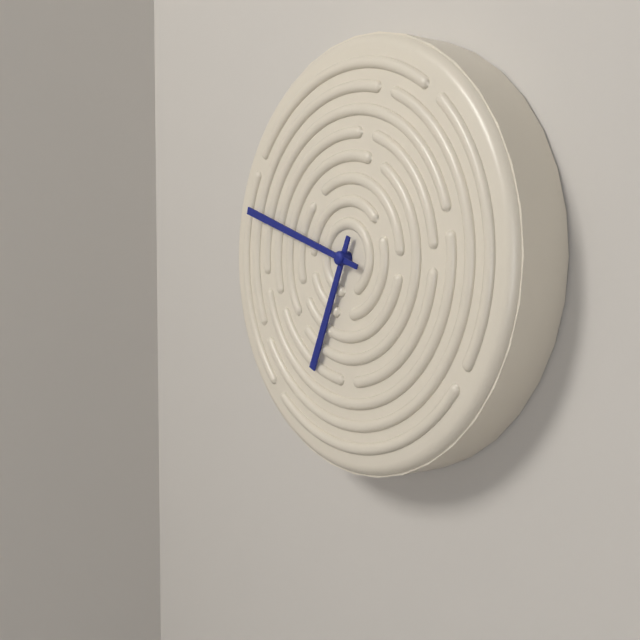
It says 6:48
